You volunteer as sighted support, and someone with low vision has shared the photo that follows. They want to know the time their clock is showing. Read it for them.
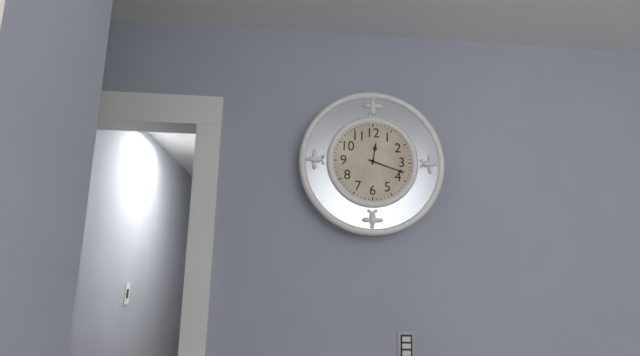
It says 12:18
